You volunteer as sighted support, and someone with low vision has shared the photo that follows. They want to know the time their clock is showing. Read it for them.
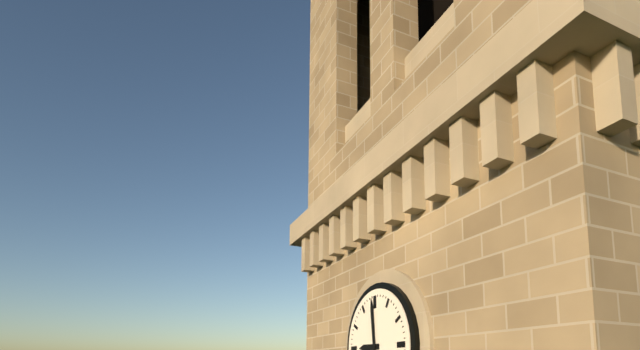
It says 8:59
